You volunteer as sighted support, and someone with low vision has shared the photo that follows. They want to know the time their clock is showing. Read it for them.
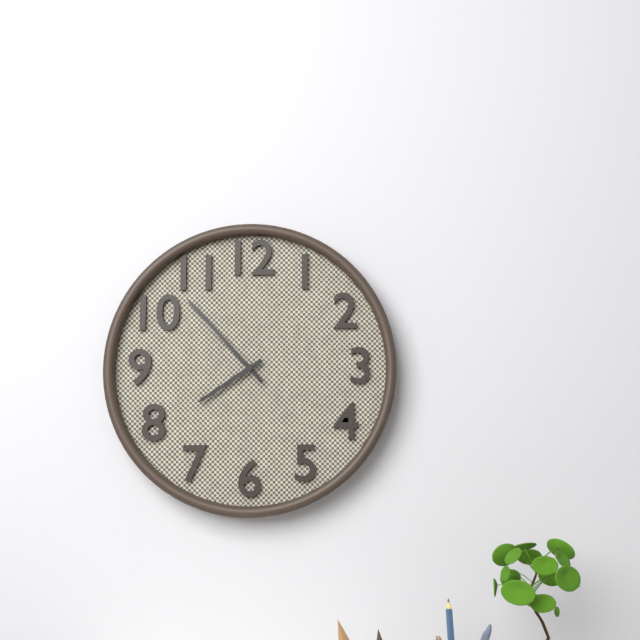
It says 7:53
